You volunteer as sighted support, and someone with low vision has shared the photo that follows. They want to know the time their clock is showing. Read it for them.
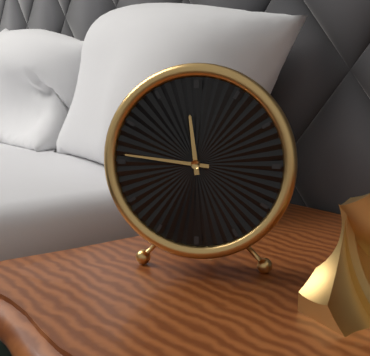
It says 11:46
